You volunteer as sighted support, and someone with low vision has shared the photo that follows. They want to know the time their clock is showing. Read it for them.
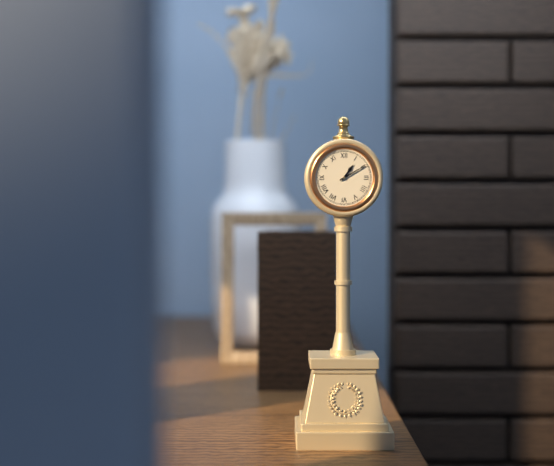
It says 1:10
